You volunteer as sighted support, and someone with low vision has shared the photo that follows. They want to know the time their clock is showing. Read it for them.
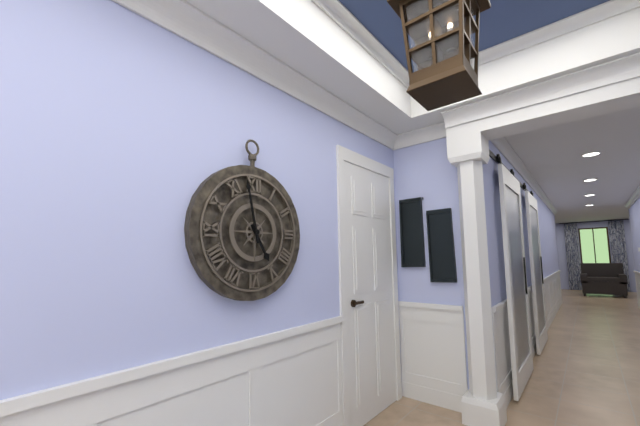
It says 4:58
